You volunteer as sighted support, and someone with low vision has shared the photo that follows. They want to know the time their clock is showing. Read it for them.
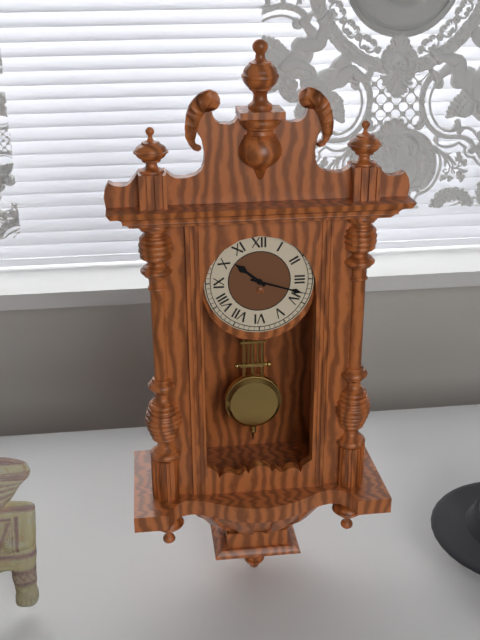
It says 10:18
